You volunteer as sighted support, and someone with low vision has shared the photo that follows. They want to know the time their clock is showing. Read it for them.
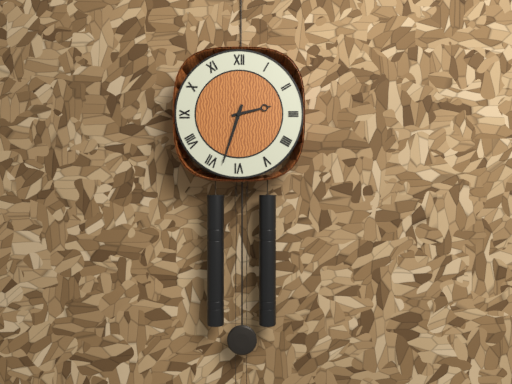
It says 2:33
